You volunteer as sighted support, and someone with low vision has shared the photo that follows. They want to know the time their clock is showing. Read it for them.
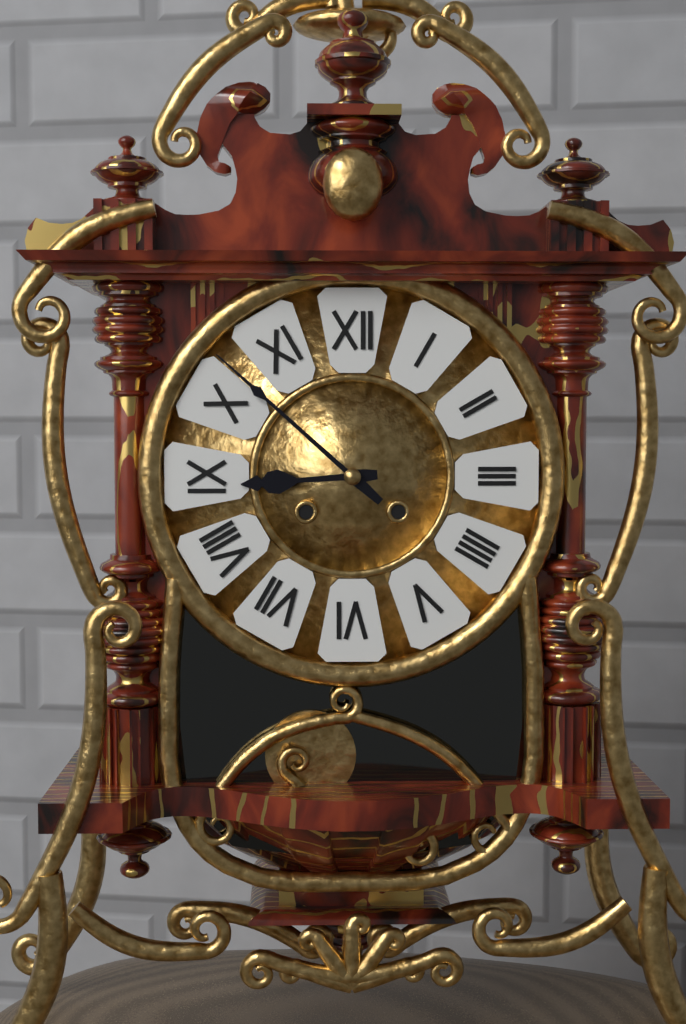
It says 8:52
